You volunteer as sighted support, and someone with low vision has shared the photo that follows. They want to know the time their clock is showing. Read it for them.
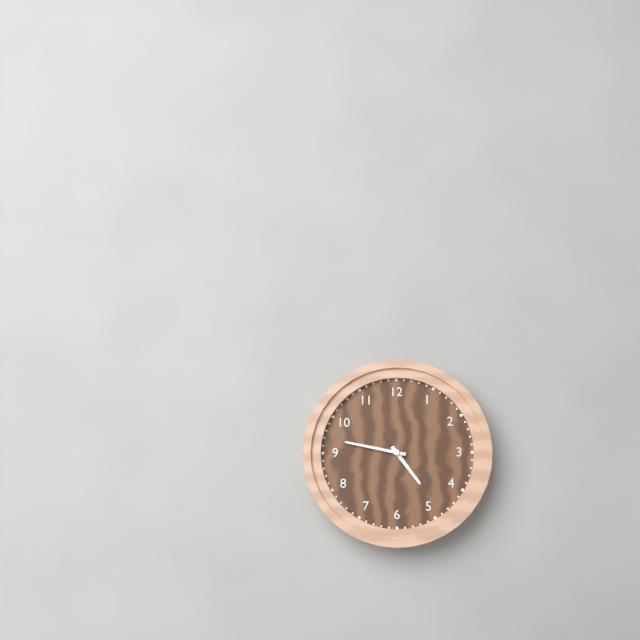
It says 4:47
